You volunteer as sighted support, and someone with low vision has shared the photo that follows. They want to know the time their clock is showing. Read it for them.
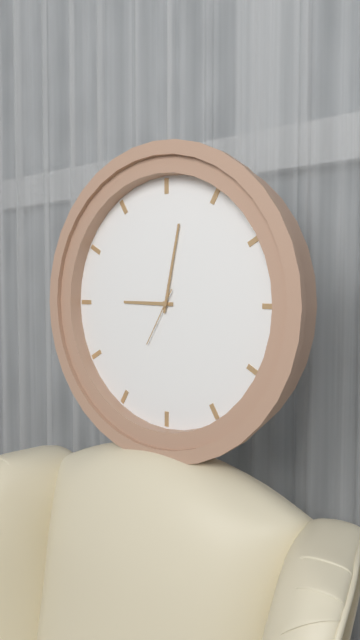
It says 9:02:35
